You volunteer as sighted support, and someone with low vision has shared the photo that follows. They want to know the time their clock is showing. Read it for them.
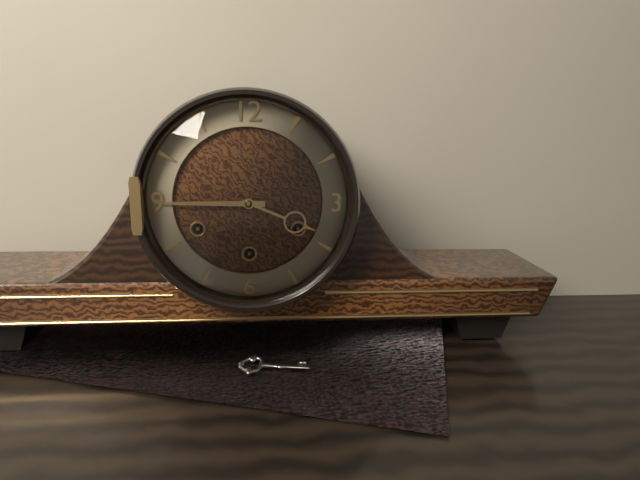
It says 3:45
